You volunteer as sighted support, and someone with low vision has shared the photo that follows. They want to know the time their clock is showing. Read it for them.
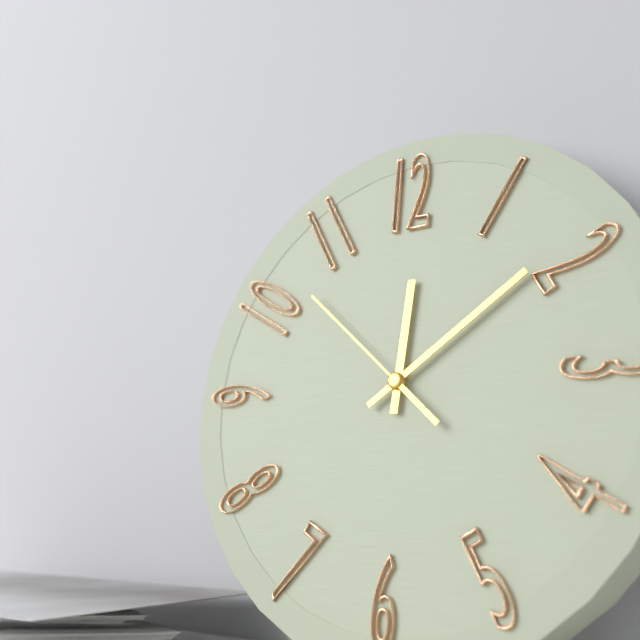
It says 12:09:52
